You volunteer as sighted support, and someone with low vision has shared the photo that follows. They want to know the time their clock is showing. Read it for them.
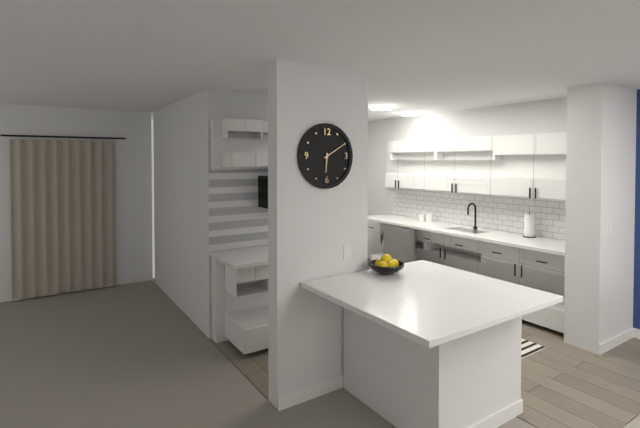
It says 6:10
